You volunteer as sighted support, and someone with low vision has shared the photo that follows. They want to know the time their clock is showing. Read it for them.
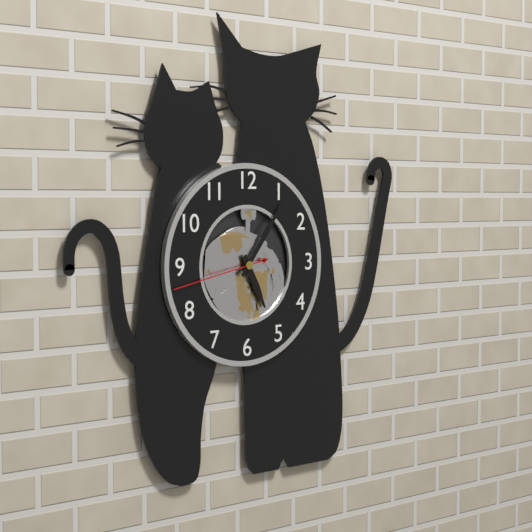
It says 5:06:43
